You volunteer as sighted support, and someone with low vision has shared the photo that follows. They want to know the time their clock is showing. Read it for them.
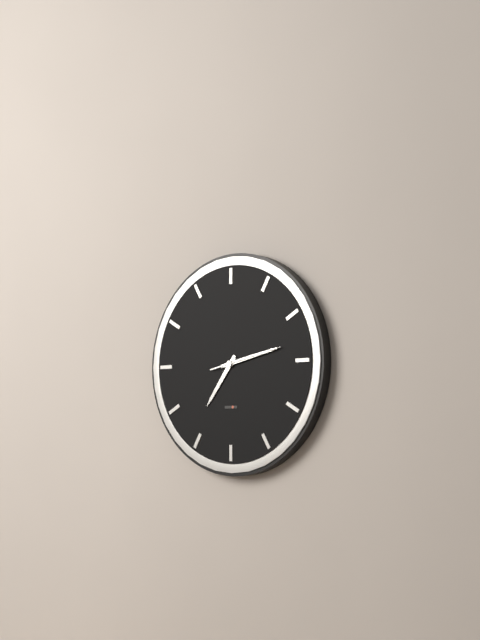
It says 7:13:13
